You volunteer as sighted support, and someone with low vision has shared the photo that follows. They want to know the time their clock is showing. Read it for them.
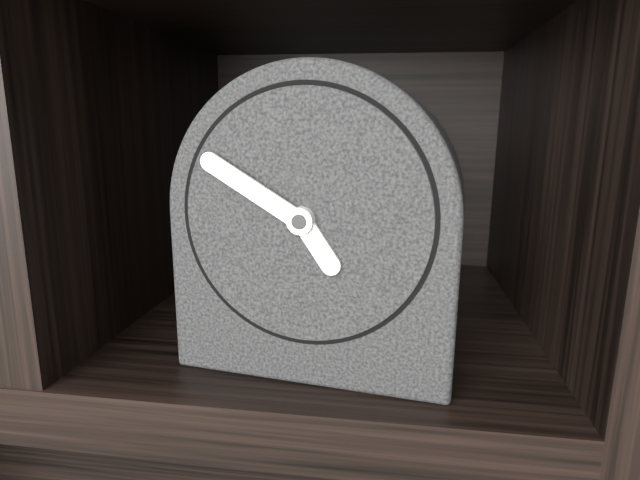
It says 4:50
